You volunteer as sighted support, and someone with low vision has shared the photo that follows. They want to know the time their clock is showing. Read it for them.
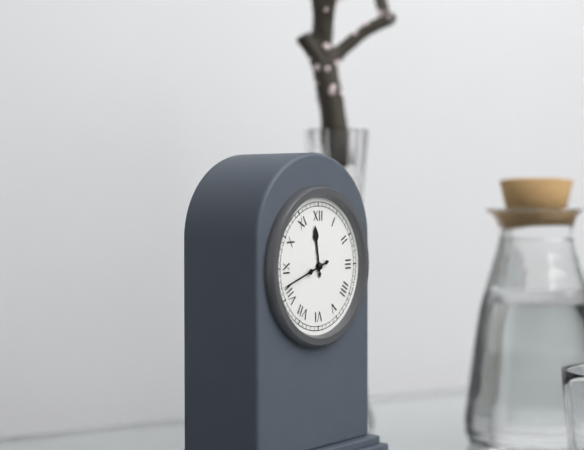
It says 11:42
